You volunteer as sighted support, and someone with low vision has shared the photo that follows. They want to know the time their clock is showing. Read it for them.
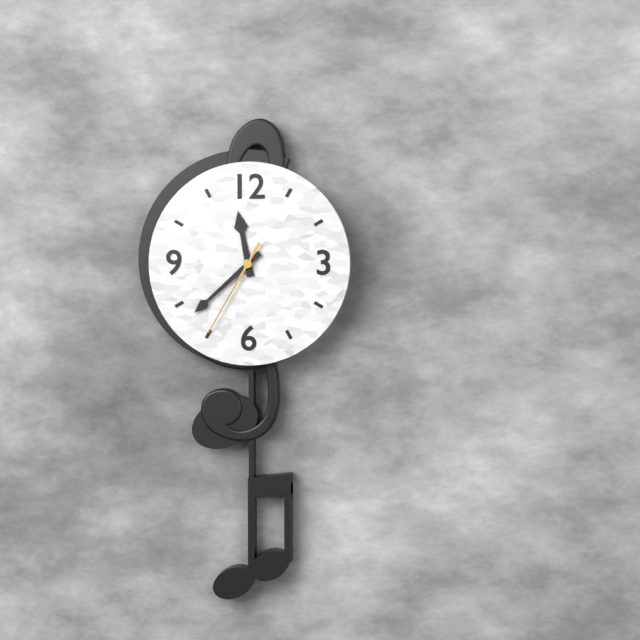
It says 11:38:35
